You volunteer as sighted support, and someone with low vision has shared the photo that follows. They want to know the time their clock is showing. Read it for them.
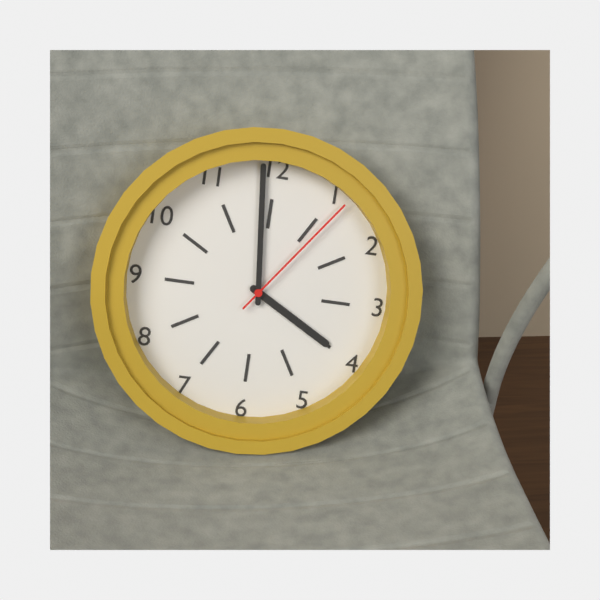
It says 3:59:06
